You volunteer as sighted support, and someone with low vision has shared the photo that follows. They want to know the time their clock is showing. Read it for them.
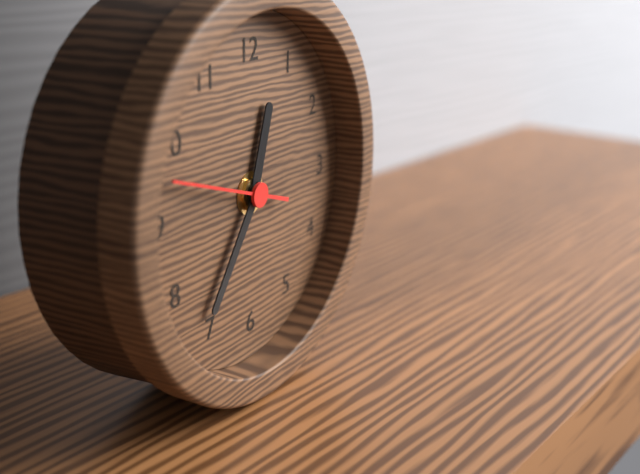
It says 12:36:48
